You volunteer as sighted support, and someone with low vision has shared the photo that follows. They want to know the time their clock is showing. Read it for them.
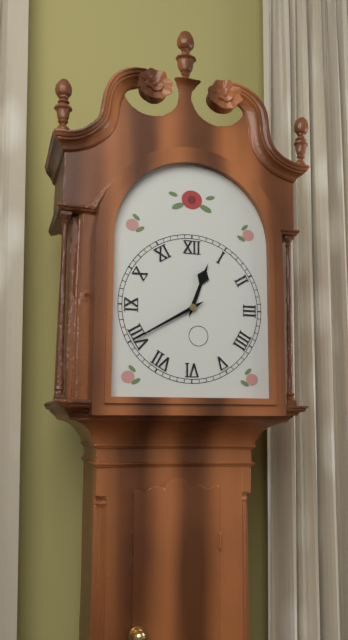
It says 12:40
